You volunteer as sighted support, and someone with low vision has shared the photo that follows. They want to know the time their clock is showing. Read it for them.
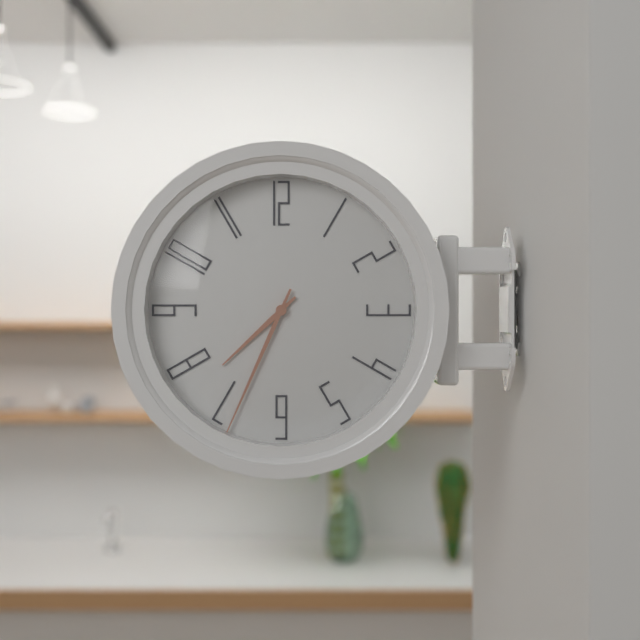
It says 7:34
